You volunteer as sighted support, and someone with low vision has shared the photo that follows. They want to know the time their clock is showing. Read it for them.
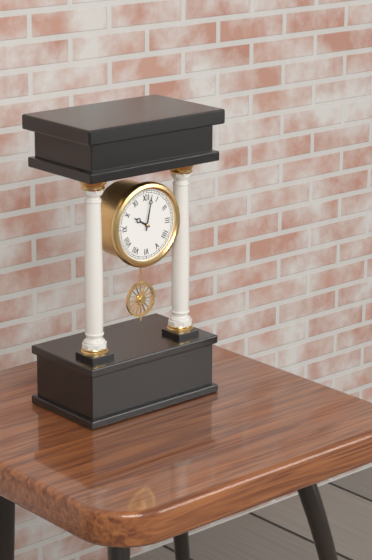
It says 10:02
